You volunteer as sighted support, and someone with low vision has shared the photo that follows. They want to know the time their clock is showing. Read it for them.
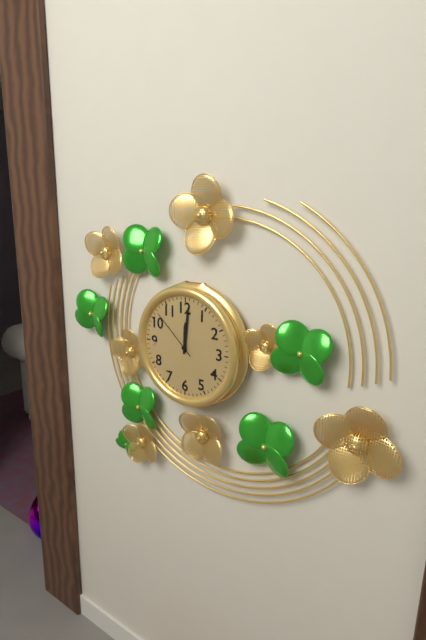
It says 12:01:52
